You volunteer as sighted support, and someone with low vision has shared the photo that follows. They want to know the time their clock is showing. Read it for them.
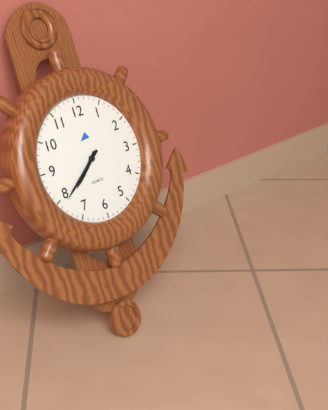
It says 7:39
